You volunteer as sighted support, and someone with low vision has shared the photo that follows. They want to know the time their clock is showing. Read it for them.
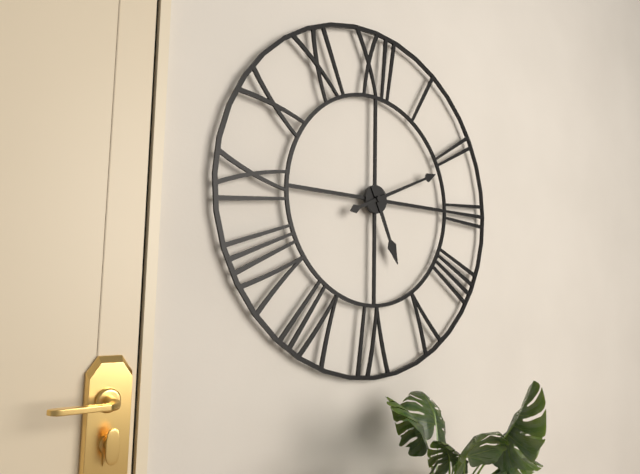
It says 5:11
